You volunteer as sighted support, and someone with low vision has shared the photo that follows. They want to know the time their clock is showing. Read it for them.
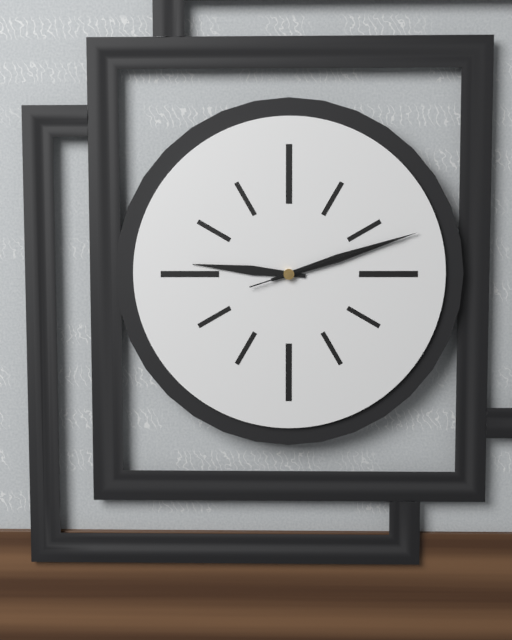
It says 9:12:12
